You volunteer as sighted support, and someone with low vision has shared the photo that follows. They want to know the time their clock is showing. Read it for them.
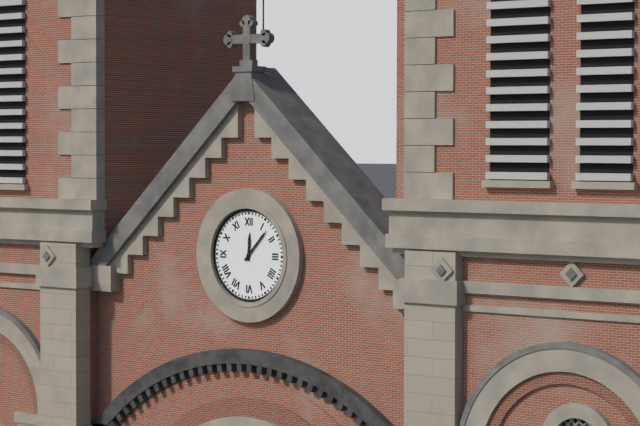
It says 12:07
